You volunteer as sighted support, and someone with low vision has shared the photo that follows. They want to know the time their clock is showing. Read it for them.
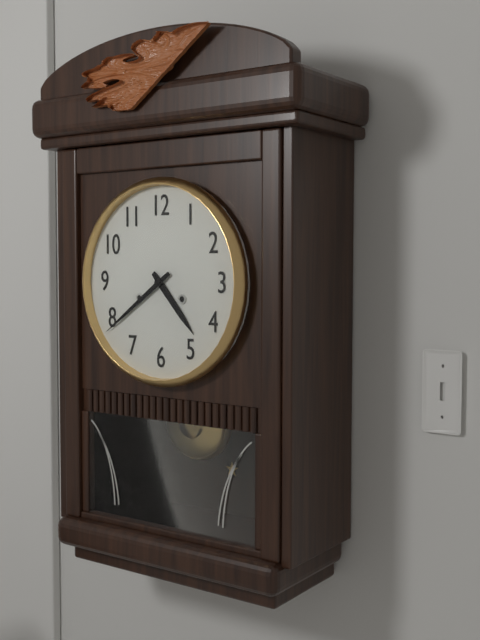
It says 4:39
